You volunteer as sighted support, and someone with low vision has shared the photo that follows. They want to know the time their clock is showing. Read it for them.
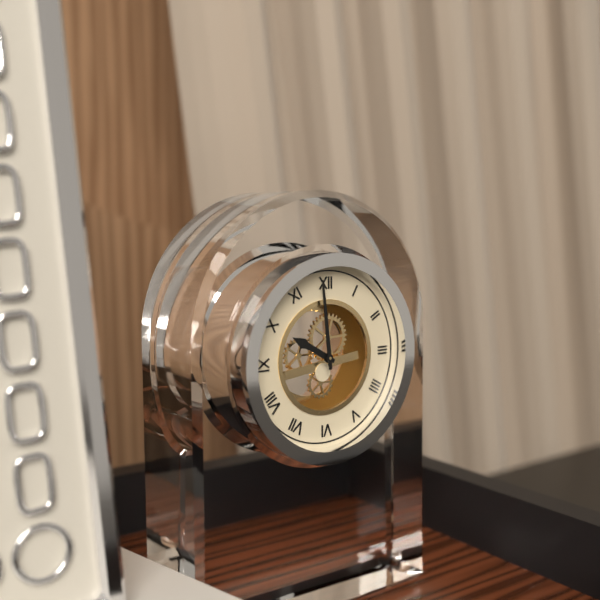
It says 9:59
